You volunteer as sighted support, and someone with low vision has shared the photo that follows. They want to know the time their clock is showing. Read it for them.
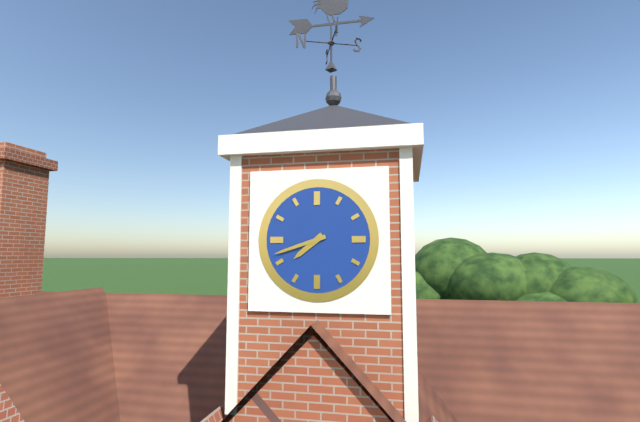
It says 7:42
